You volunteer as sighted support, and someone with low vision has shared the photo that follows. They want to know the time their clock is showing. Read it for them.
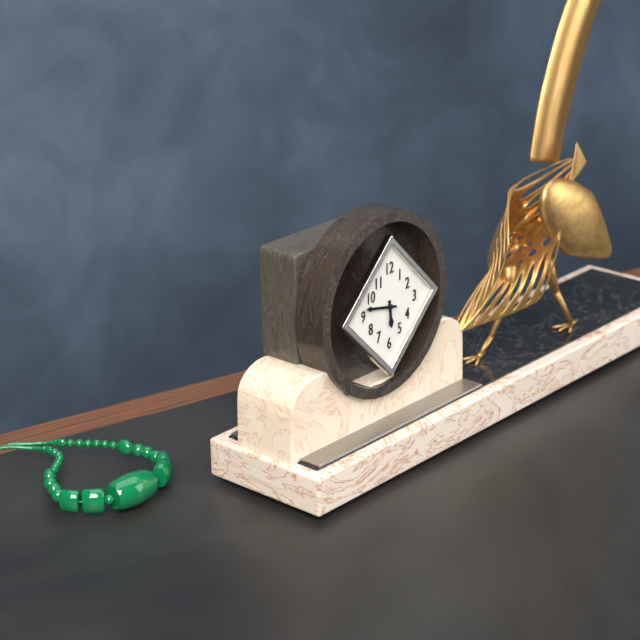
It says 5:47
